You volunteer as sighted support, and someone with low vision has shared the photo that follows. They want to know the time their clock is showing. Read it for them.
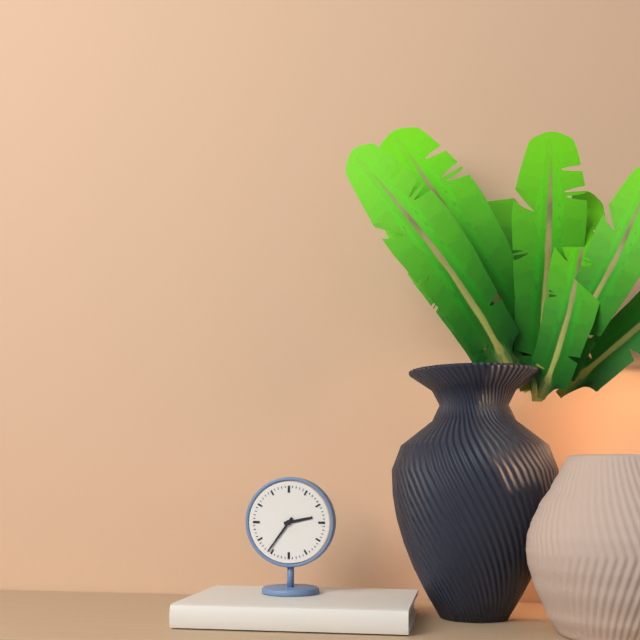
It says 2:36
